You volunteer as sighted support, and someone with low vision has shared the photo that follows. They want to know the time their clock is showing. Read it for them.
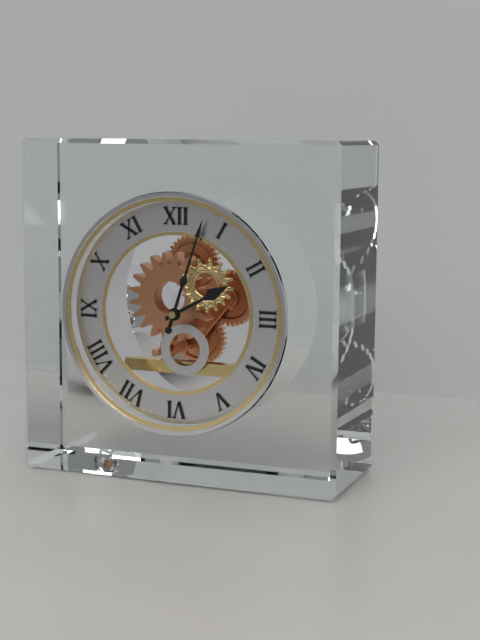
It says 2:03
